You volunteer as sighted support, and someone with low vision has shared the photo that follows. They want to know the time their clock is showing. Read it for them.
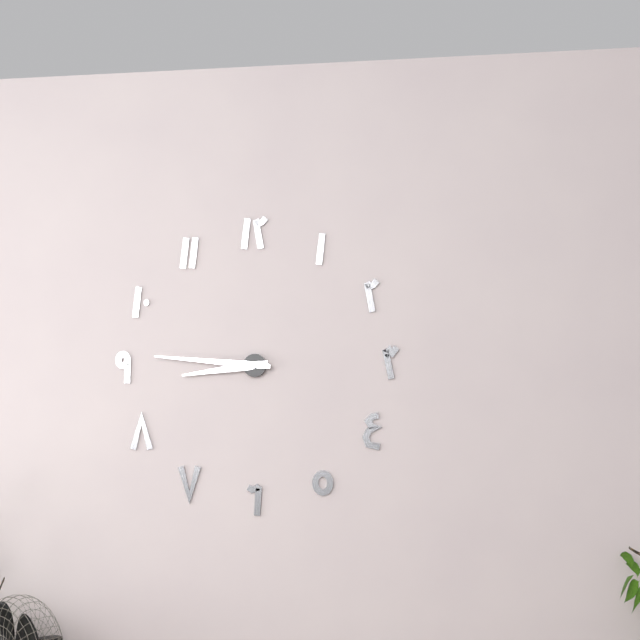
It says 8:46
